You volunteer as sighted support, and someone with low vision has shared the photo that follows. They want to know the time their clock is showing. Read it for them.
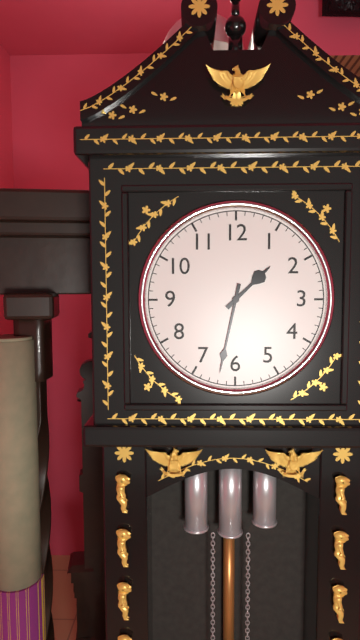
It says 1:32
